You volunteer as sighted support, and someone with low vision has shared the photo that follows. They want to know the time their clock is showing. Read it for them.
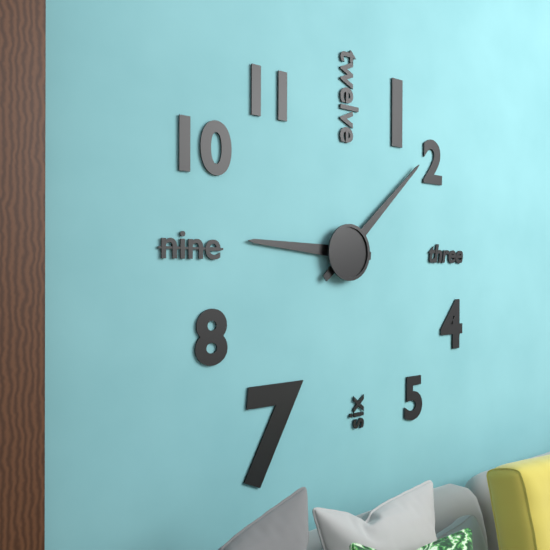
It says 9:08
